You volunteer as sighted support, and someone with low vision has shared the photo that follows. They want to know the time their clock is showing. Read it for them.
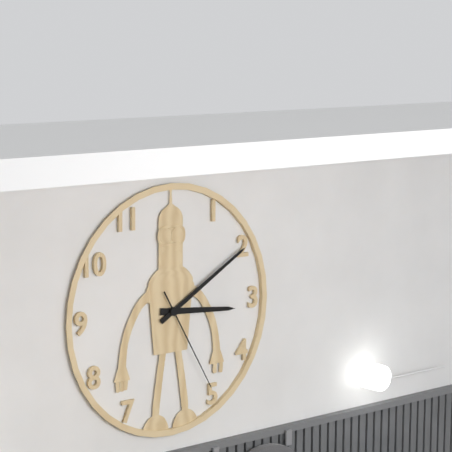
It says 3:10:25
